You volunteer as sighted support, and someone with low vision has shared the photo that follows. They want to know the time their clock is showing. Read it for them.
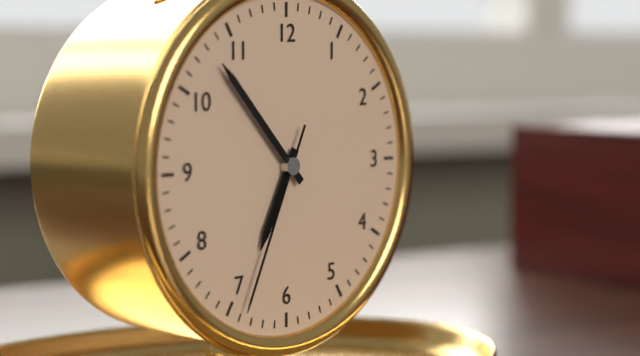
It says 6:53:34
